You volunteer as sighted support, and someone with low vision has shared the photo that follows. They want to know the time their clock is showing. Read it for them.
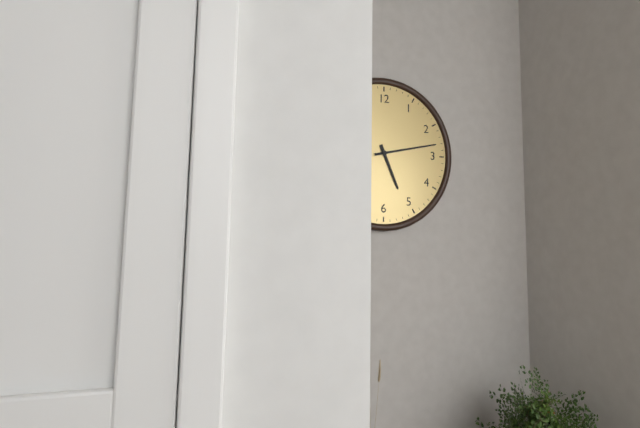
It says 5:13
